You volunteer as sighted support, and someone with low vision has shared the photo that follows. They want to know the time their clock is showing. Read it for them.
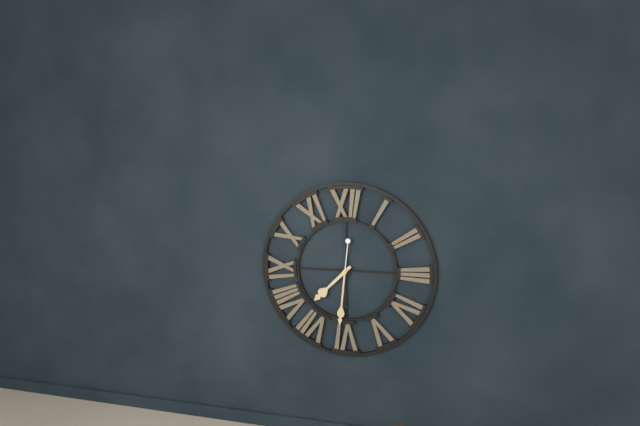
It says 7:31
